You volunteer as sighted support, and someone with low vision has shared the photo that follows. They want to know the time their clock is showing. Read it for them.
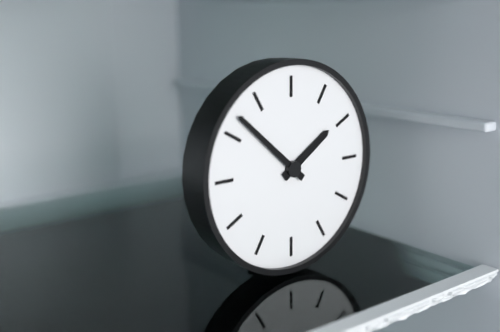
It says 1:52
